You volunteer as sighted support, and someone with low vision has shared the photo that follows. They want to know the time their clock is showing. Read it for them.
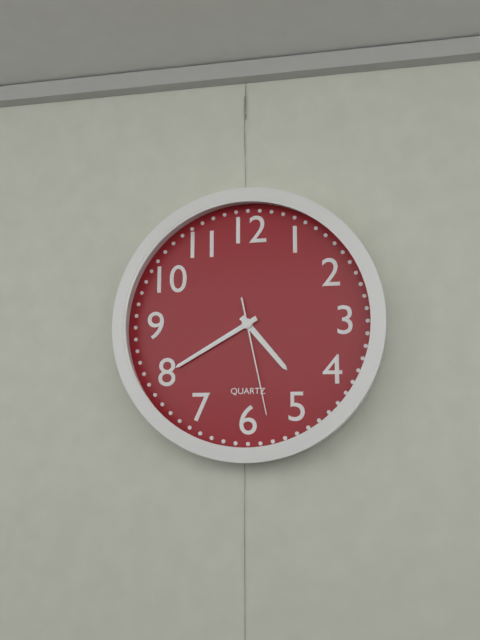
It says 4:40:28
